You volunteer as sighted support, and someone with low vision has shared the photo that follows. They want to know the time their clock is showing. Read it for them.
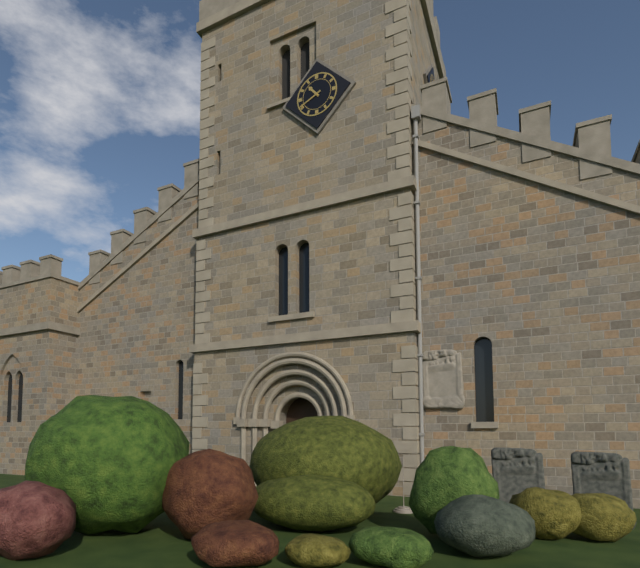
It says 10:41
